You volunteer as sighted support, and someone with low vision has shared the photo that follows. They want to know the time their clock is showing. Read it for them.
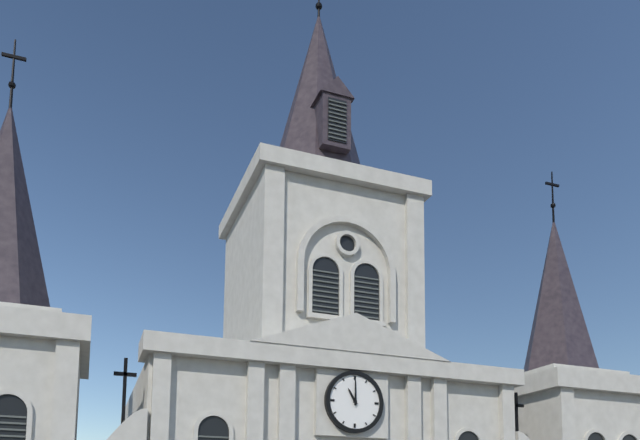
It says 11:00
